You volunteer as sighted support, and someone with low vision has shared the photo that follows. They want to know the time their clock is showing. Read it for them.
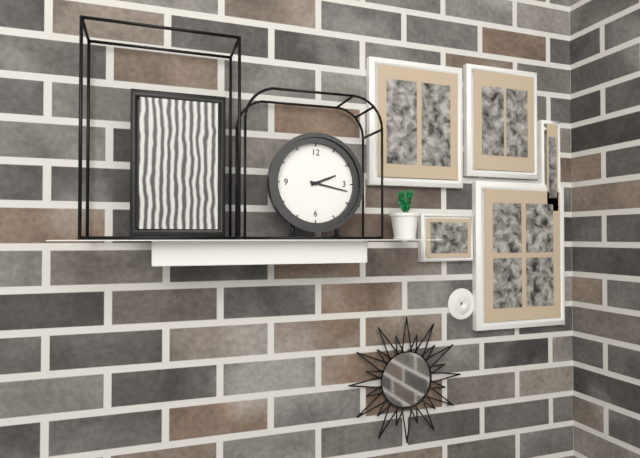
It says 2:17
